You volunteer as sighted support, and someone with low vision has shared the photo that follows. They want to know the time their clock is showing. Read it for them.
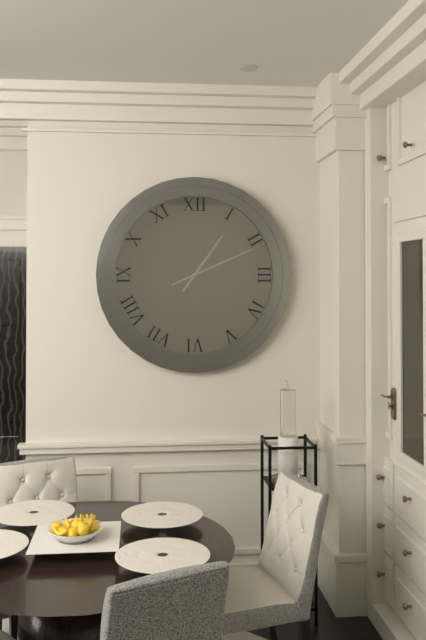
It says 1:11
